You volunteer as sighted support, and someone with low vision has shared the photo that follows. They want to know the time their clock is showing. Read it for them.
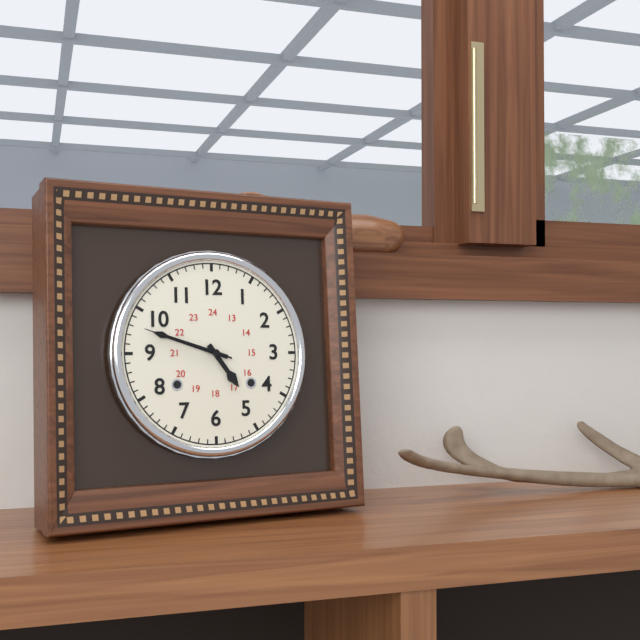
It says 4:48:48
